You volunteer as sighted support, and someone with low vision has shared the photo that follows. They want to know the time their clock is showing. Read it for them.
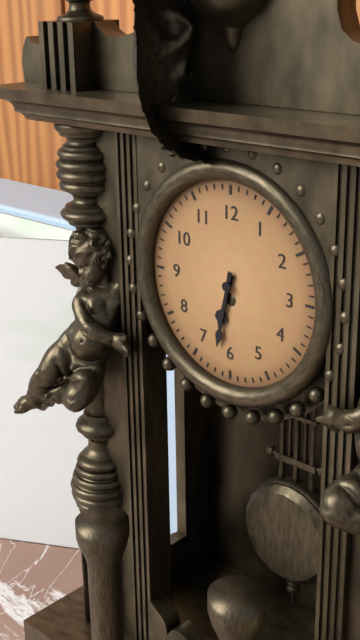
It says 6:32
